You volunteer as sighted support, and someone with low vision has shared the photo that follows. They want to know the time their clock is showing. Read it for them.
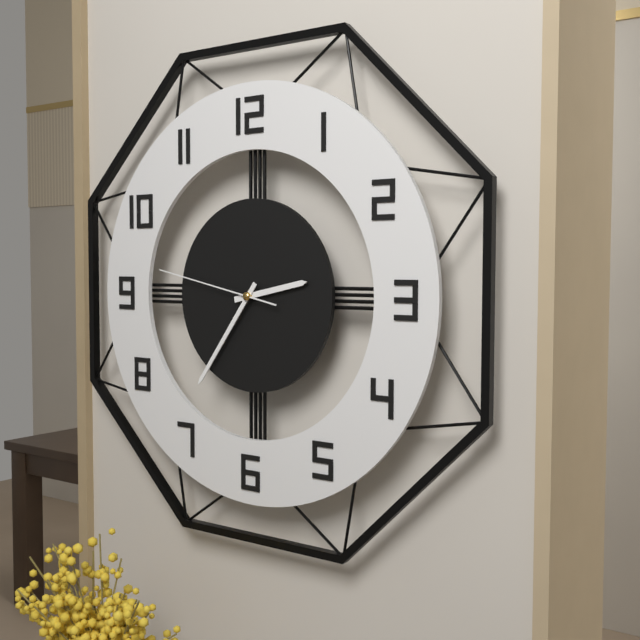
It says 2:36:47
